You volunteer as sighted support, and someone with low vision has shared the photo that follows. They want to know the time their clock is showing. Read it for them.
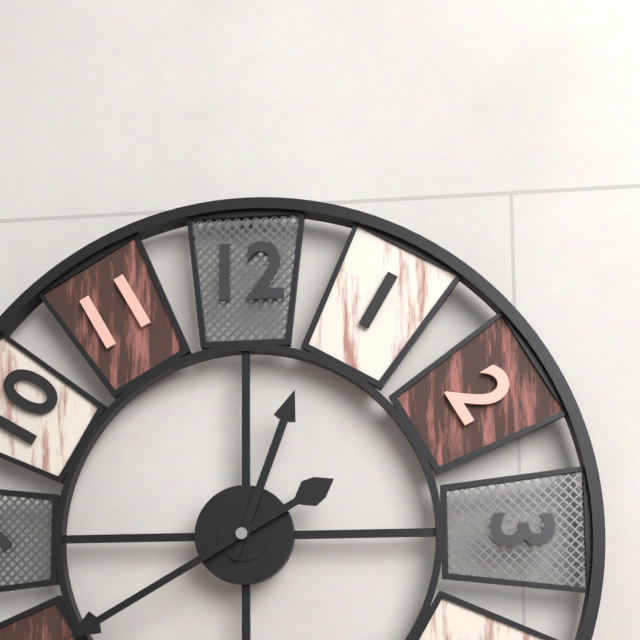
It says 12:40
